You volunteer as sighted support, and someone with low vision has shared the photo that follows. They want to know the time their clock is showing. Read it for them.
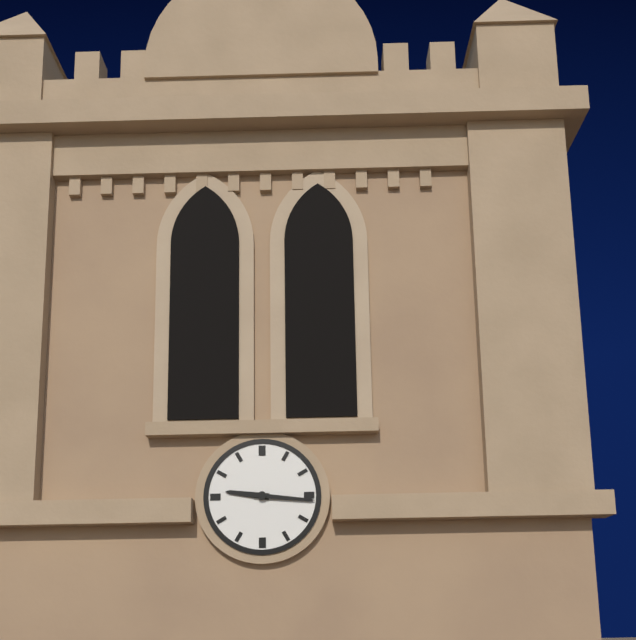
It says 9:16
